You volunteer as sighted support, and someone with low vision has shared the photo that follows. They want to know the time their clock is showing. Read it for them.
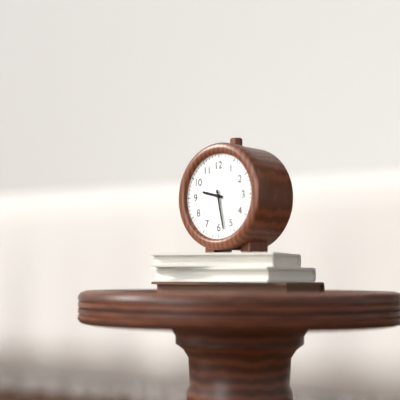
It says 9:28
